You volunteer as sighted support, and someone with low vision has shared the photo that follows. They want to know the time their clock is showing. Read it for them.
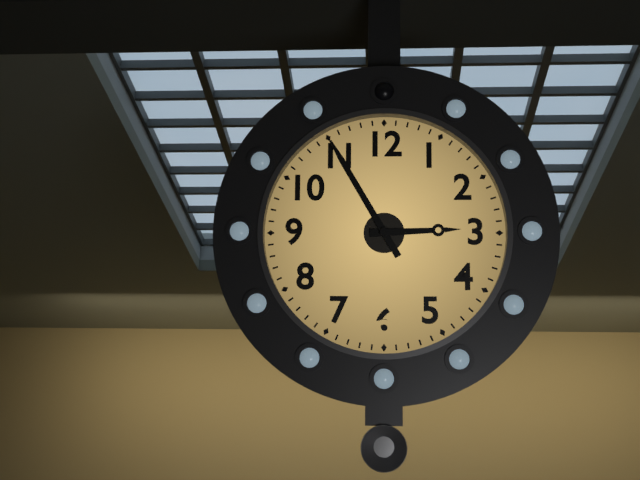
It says 2:55
